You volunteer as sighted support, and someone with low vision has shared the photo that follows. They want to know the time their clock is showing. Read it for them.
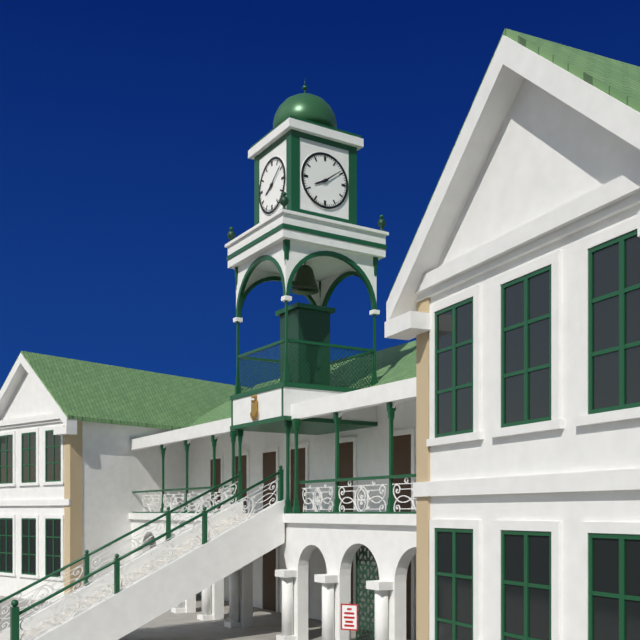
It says 8:09
